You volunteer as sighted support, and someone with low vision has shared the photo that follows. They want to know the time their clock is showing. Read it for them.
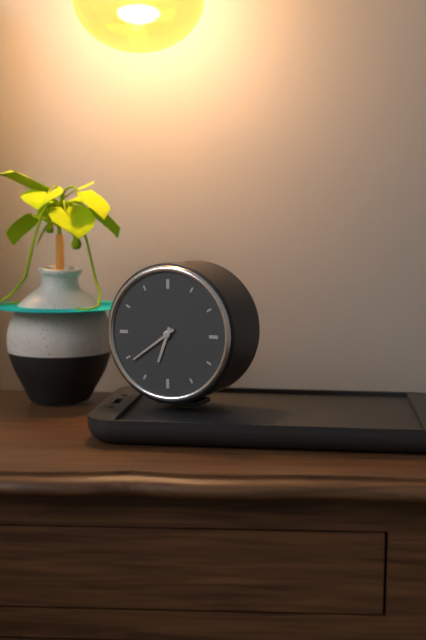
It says 6:39
